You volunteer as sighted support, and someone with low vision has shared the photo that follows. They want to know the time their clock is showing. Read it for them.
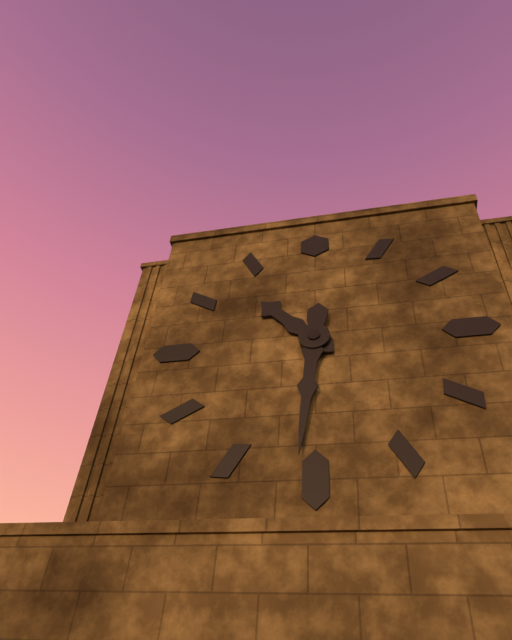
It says 10:31
